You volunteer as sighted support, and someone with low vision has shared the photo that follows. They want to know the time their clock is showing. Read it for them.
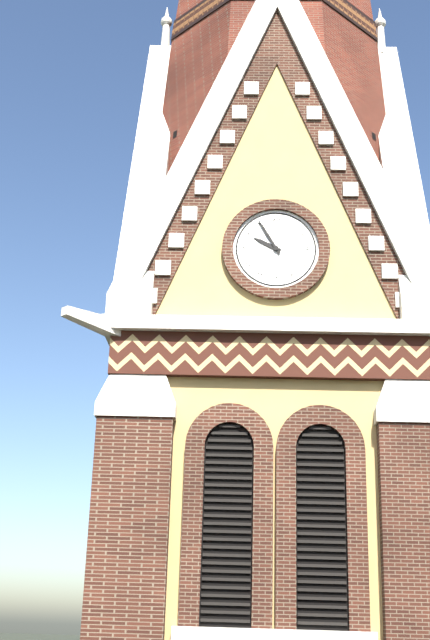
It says 9:55
